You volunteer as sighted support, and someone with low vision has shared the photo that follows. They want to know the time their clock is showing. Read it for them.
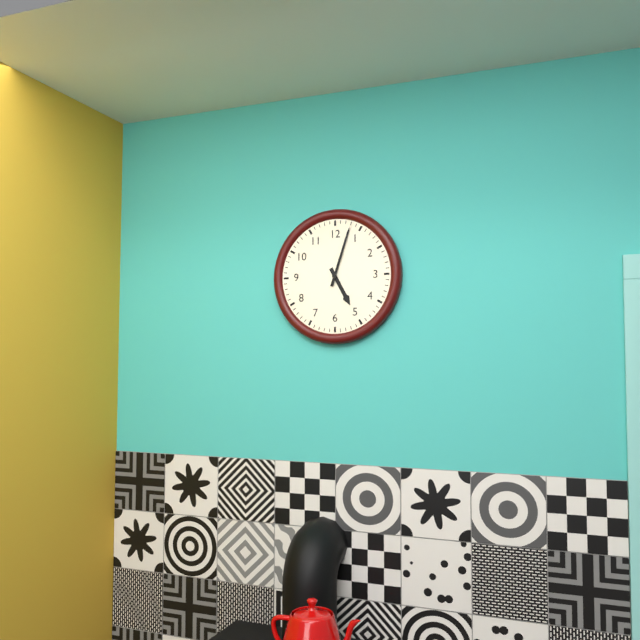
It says 5:03
